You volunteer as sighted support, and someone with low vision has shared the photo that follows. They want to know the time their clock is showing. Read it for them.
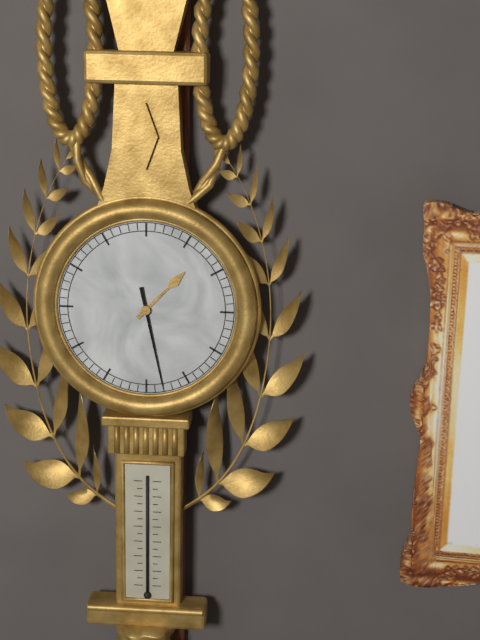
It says 1:28
